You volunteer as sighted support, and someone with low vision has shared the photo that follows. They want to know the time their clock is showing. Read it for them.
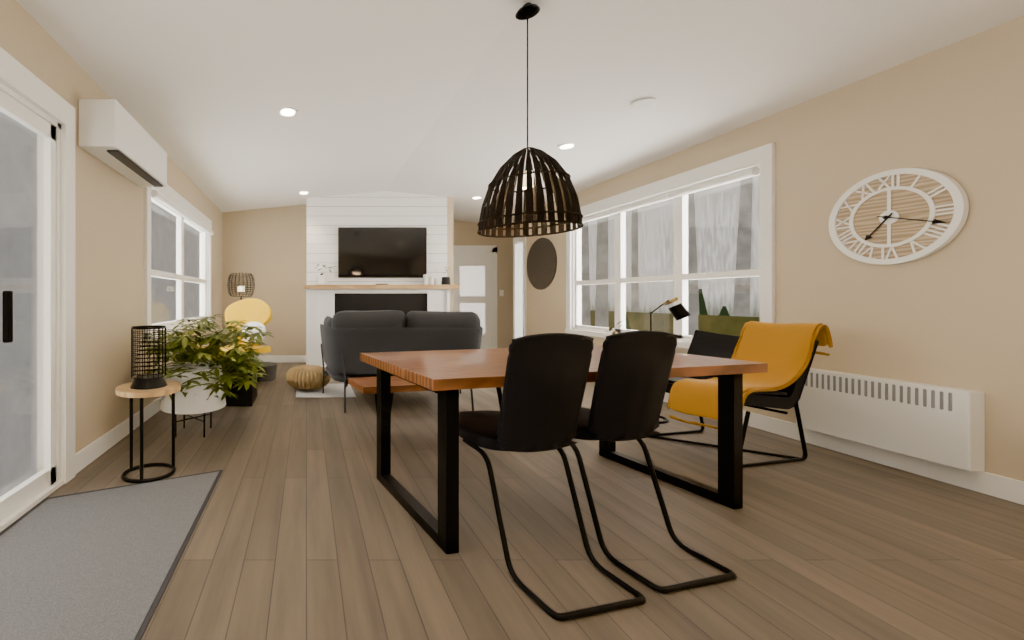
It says 7:18
